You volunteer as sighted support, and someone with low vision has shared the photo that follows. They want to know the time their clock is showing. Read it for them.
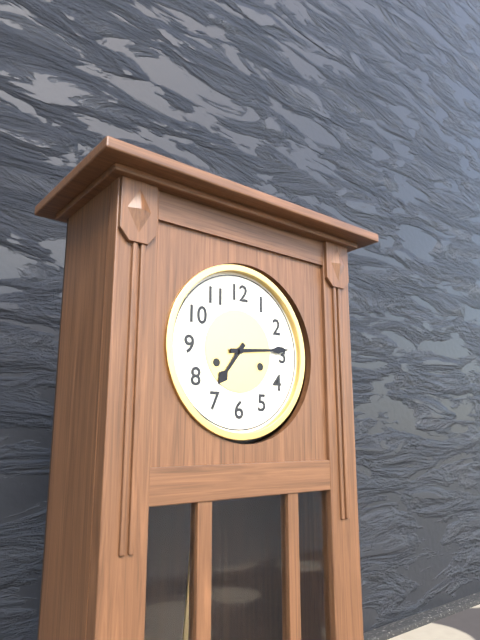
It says 7:14
